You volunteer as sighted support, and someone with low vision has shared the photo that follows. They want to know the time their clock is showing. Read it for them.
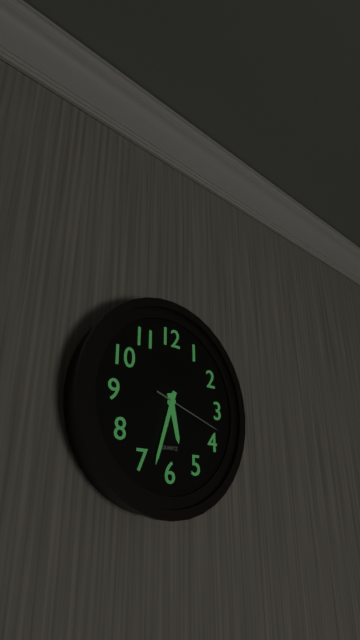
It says 5:33:18
